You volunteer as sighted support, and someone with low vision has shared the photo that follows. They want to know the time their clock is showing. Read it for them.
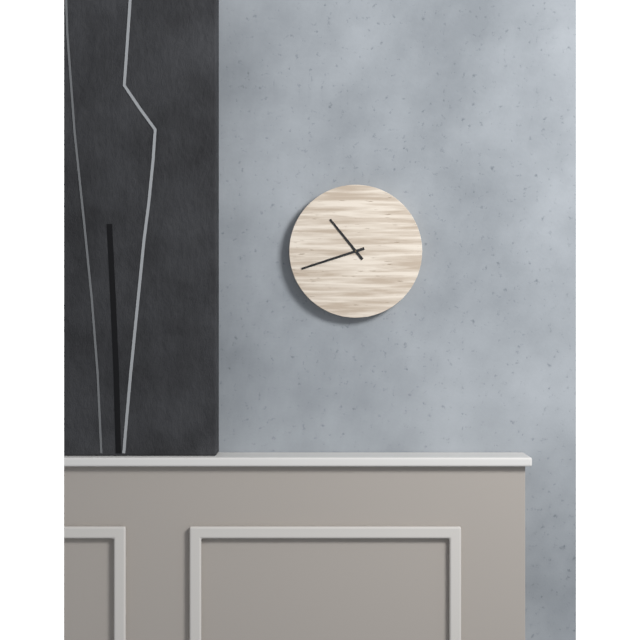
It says 10:42
